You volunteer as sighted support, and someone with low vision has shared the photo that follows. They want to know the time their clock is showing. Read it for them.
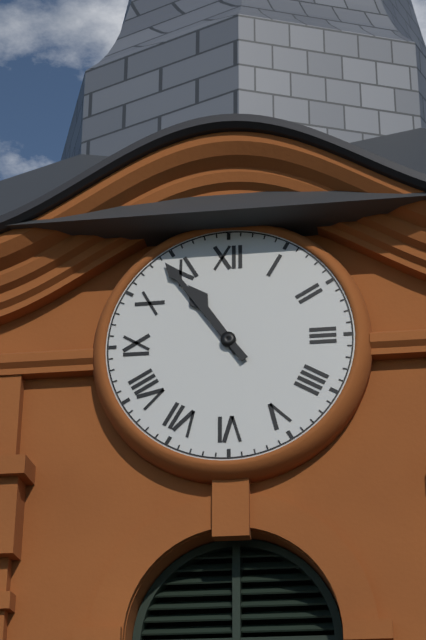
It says 10:54
